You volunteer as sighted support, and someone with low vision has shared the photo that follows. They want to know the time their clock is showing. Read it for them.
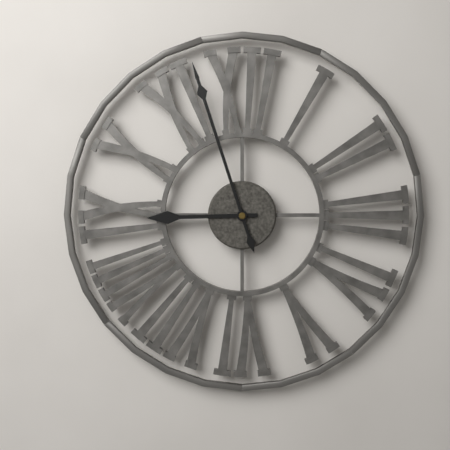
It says 8:57
